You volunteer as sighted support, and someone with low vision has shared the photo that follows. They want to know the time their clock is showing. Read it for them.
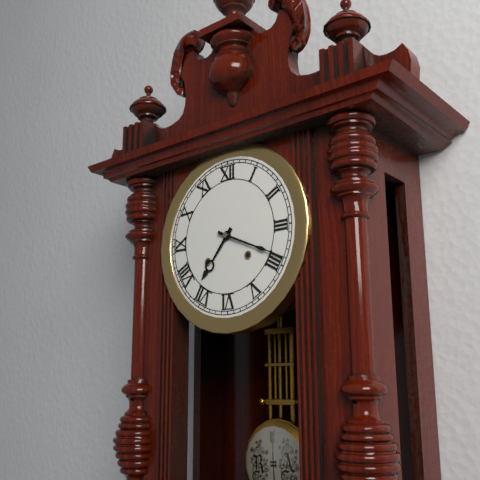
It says 7:19
